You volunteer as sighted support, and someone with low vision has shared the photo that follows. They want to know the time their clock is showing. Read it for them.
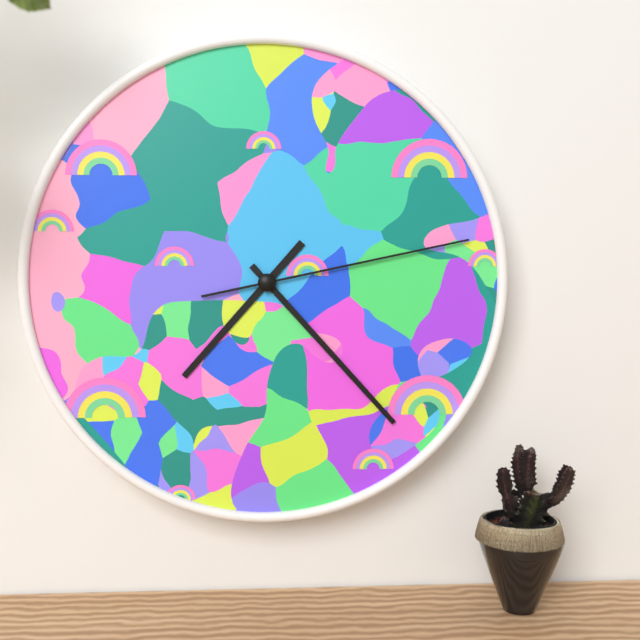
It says 7:23:13
